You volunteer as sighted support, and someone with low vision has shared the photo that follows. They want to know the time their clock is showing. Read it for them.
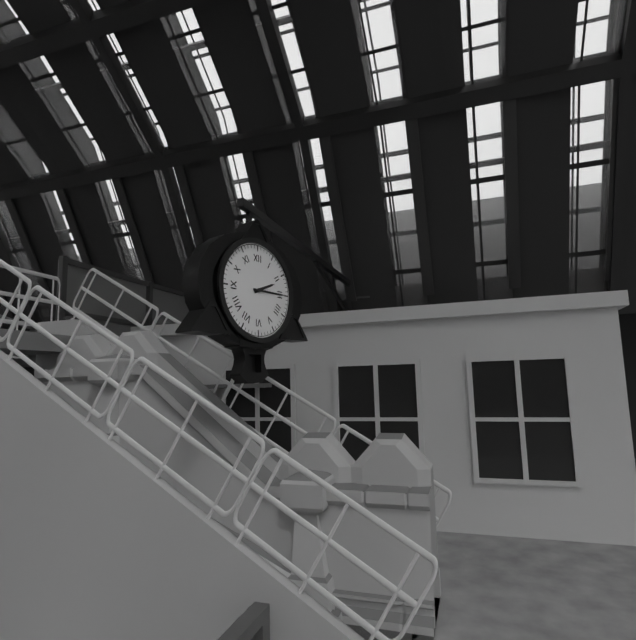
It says 2:15
